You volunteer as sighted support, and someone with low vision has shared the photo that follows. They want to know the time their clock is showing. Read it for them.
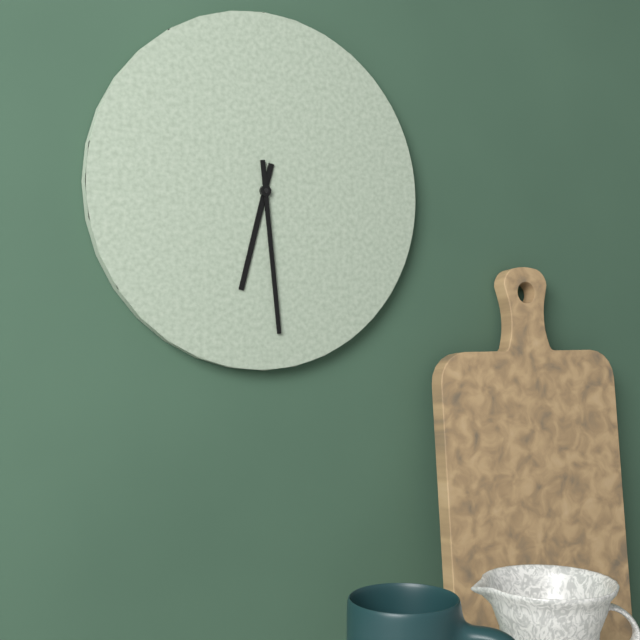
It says 6:29
